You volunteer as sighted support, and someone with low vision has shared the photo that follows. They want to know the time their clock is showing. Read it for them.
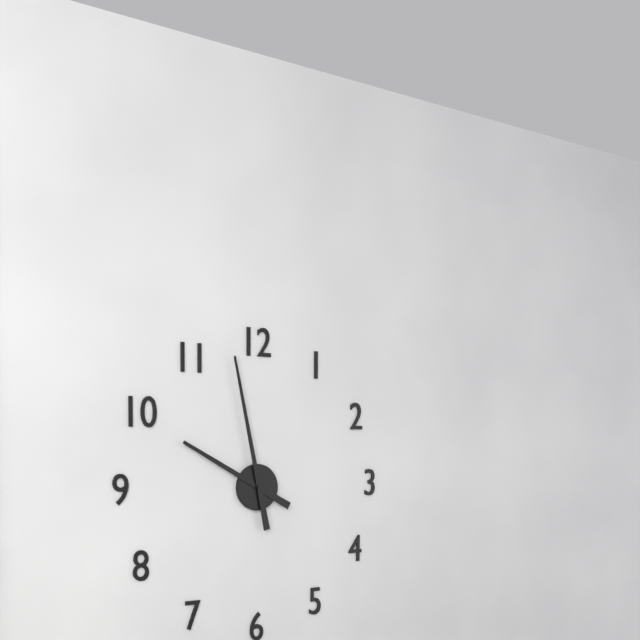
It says 9:58
